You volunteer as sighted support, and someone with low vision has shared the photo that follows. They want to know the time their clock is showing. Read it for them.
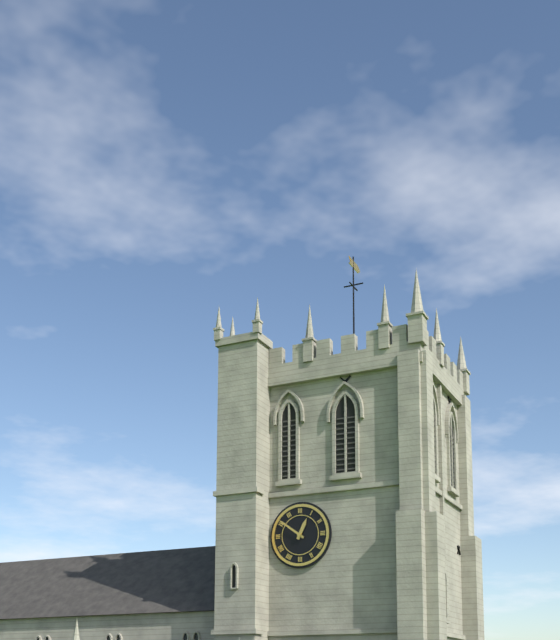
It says 12:51
